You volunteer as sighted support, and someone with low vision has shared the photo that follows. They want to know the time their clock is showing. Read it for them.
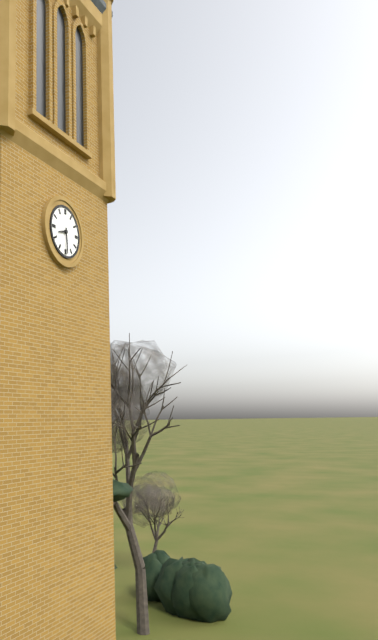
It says 8:29
